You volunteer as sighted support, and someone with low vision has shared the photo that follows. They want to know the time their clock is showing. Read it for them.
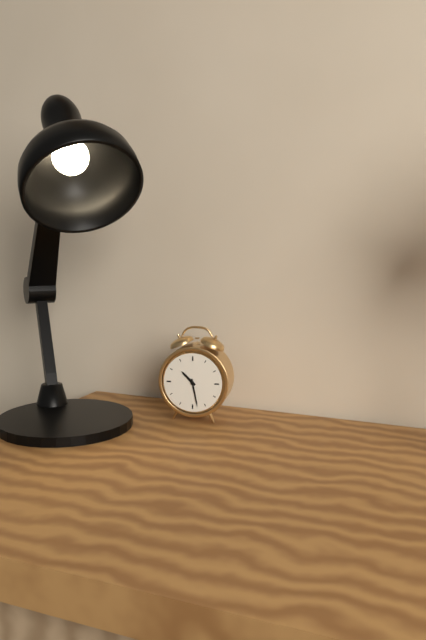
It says 10:28
